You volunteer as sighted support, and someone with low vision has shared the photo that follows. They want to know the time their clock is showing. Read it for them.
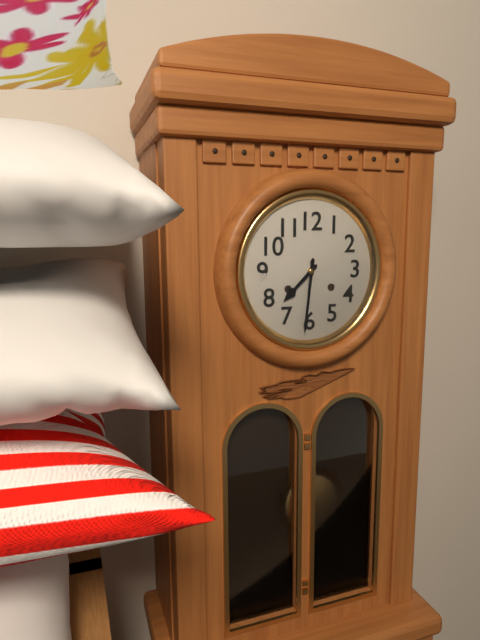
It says 7:31
